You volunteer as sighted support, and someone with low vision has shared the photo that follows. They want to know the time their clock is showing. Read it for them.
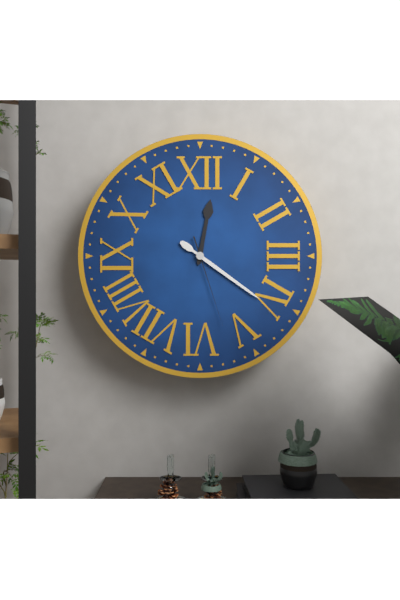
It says 12:21:27
